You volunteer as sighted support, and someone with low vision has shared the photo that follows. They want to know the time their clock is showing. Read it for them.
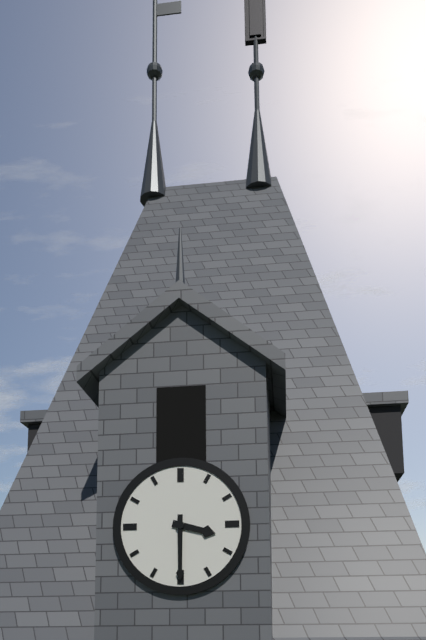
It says 3:30
